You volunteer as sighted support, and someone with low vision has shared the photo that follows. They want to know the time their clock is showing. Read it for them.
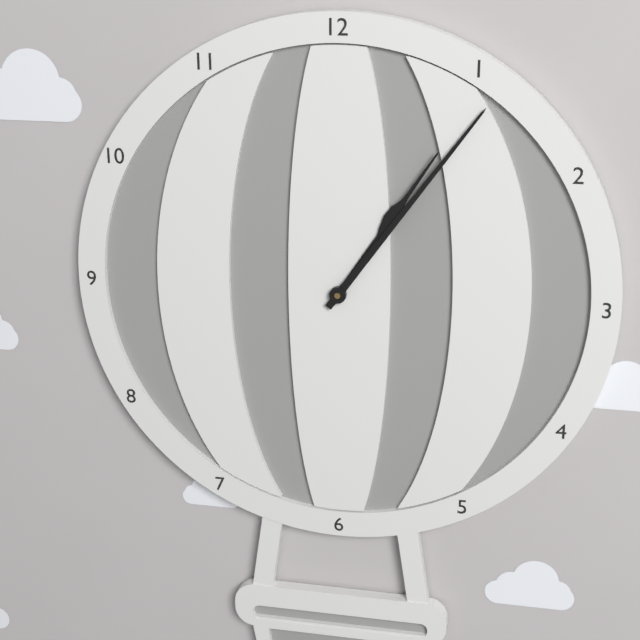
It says 1:06
